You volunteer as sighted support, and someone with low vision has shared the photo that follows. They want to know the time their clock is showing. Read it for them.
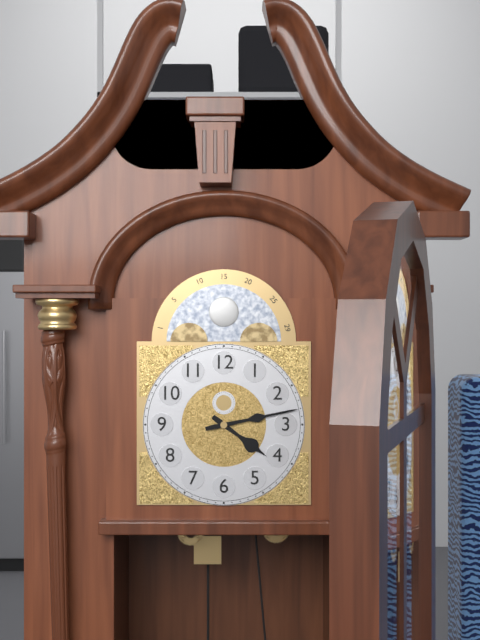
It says 4:13
